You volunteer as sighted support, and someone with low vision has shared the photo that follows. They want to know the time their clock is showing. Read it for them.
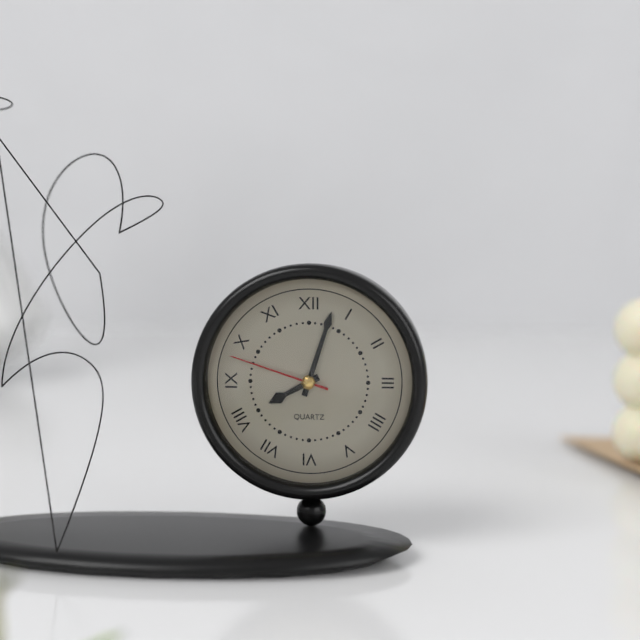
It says 8:03:48
